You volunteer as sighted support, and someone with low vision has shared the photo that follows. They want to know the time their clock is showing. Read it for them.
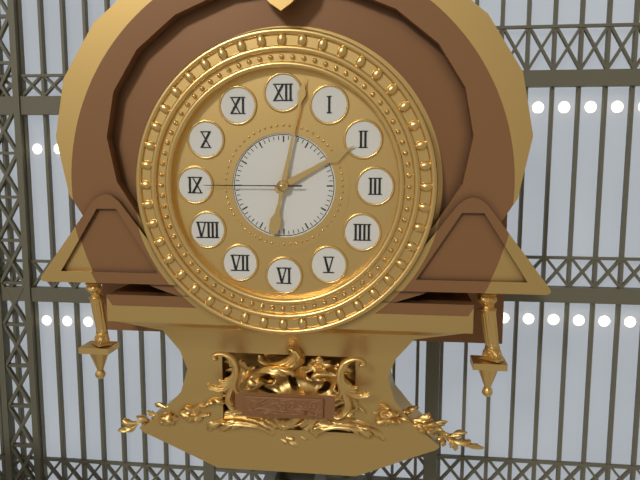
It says 2:02:45
